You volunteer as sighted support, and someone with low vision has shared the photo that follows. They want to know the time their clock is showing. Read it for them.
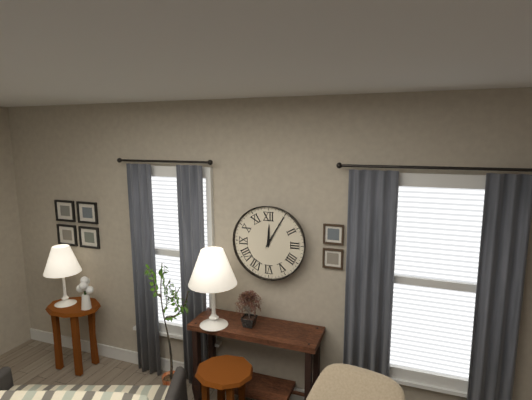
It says 12:05
